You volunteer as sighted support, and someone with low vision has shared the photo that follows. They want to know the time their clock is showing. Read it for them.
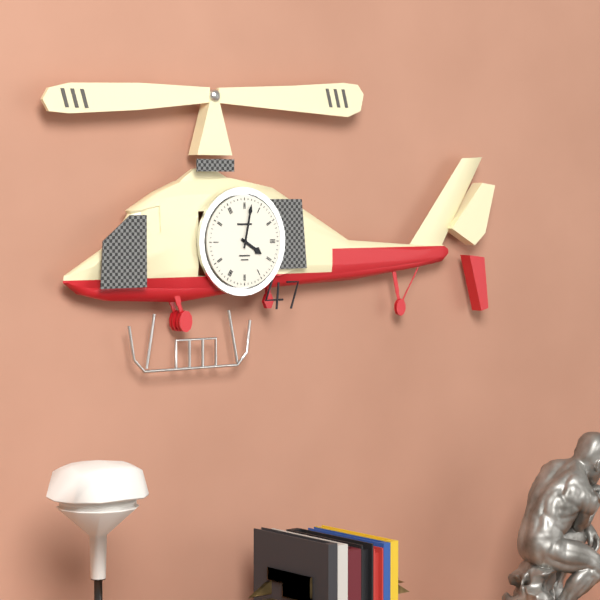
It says 4:02
